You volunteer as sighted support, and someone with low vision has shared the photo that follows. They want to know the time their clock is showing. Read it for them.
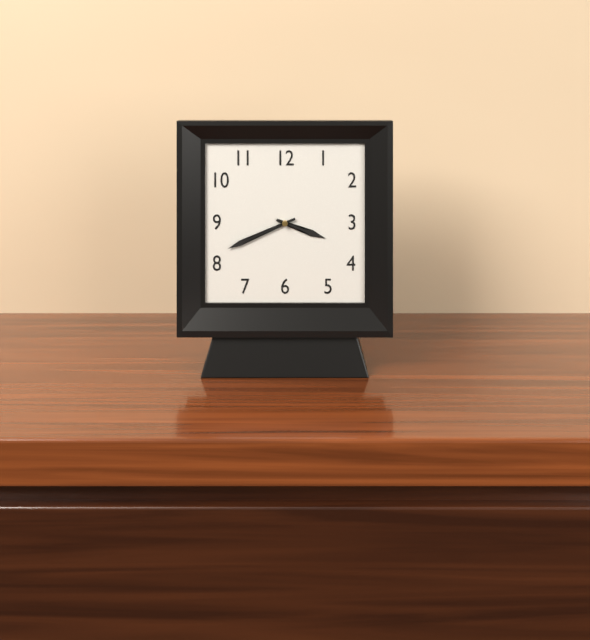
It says 3:41
